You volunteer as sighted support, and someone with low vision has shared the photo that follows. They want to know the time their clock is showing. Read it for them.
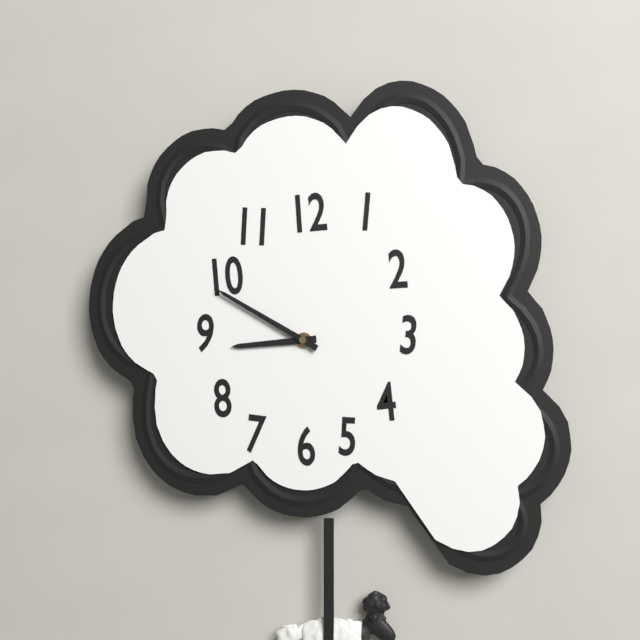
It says 8:50
